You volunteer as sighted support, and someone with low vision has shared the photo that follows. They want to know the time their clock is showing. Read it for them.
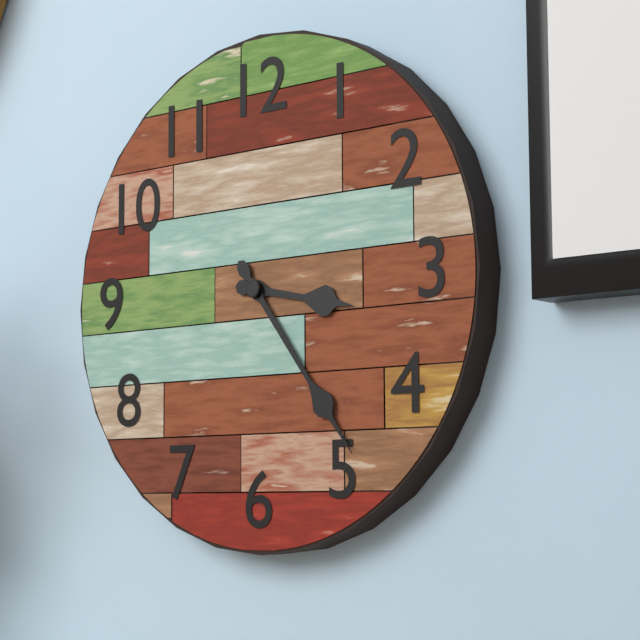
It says 3:24
